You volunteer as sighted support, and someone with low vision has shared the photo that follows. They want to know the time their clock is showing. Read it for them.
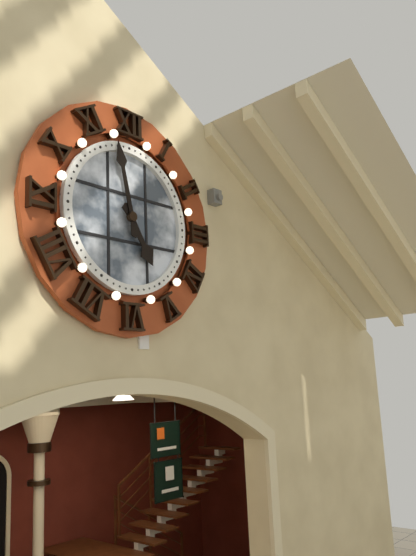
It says 4:58
